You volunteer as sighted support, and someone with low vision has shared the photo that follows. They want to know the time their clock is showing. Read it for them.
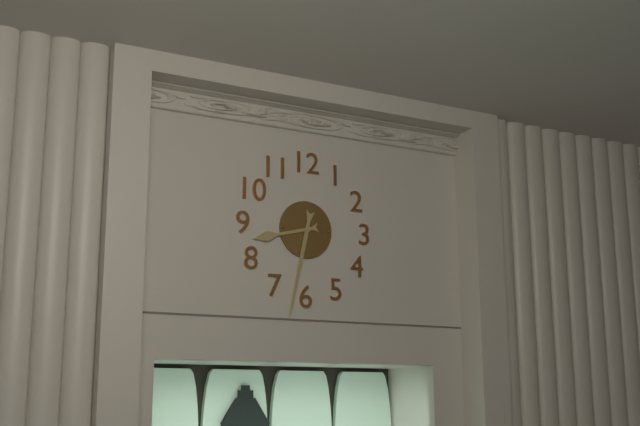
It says 8:32
